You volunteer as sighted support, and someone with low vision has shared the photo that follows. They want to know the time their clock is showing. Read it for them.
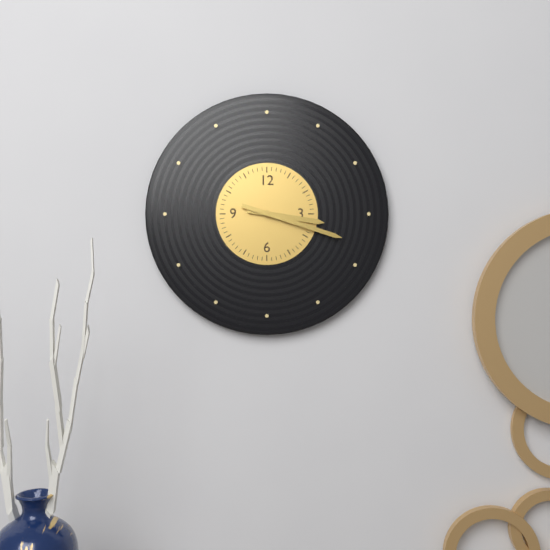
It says 3:18
